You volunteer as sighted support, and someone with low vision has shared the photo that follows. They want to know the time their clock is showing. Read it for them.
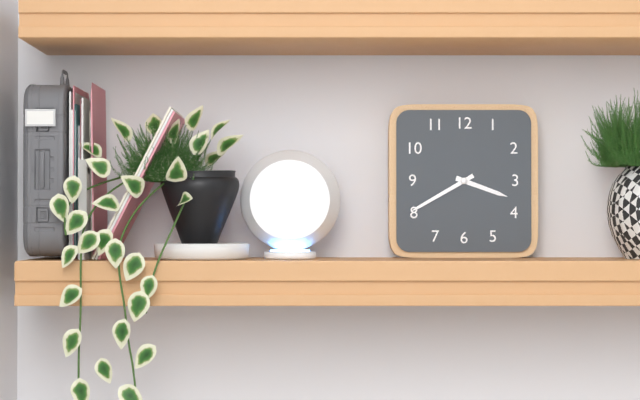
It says 3:40
